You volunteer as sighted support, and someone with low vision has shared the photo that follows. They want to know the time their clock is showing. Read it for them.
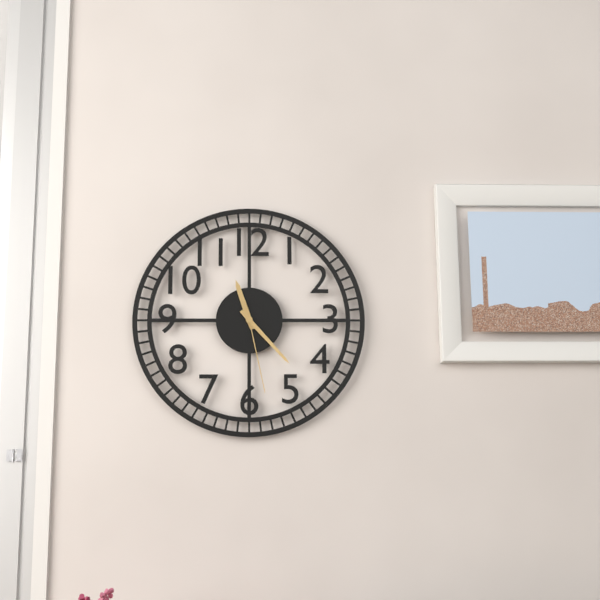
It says 11:23:28
